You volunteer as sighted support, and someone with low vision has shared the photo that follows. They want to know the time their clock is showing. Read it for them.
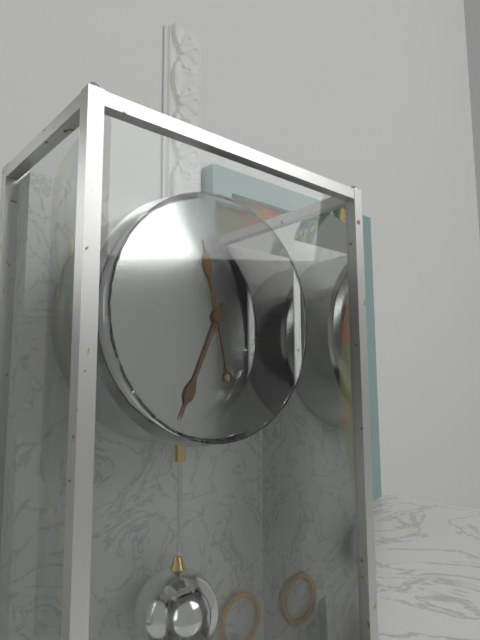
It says 11:34
